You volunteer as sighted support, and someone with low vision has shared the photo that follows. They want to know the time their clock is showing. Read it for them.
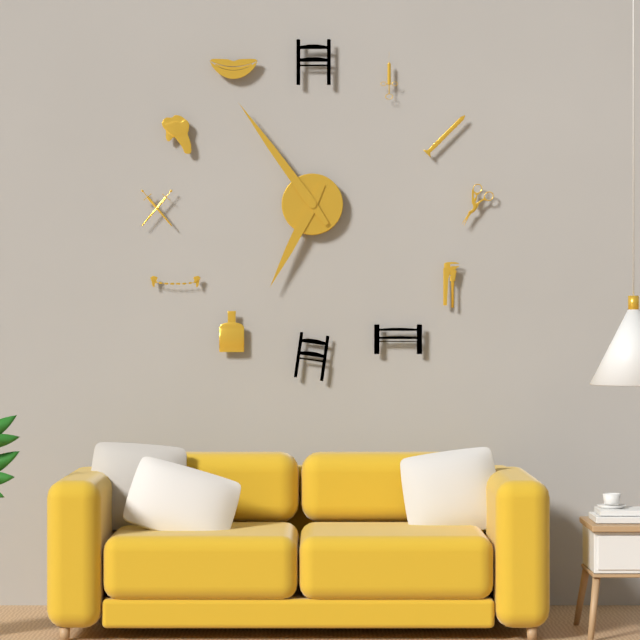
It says 6:54
